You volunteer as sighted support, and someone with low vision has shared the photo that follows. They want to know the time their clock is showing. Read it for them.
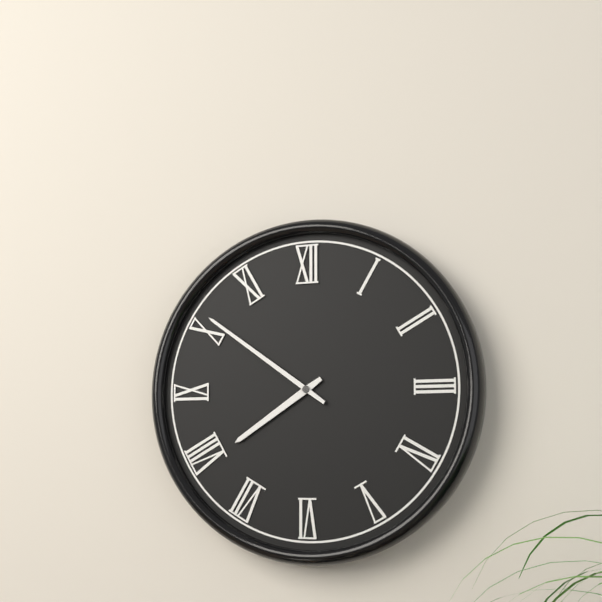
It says 7:51
